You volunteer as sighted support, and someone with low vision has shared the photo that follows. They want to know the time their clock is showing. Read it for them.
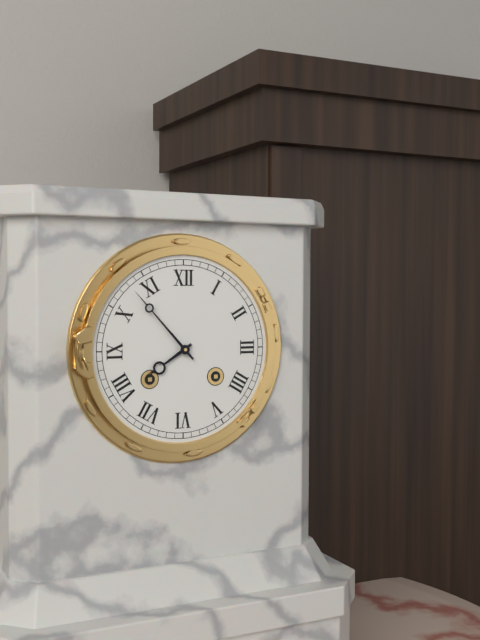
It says 7:53
